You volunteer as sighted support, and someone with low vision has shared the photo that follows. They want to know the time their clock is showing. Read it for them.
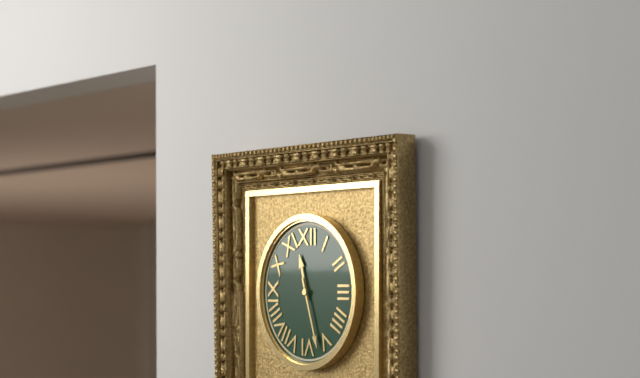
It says 11:27
